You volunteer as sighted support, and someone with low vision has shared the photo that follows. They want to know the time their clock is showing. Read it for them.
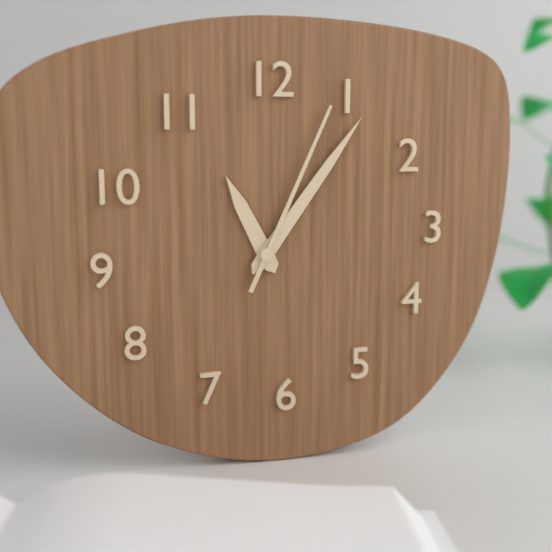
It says 11:06:04
